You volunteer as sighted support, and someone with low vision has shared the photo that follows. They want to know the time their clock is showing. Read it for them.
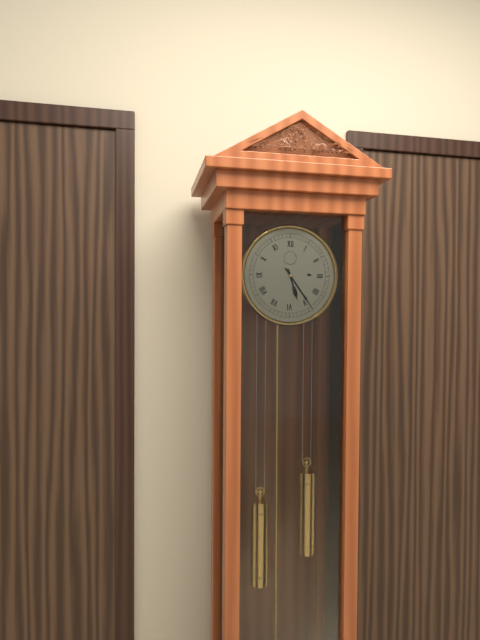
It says 5:24
